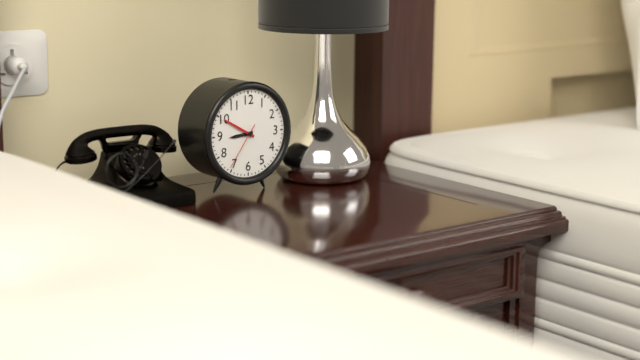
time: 8:50
